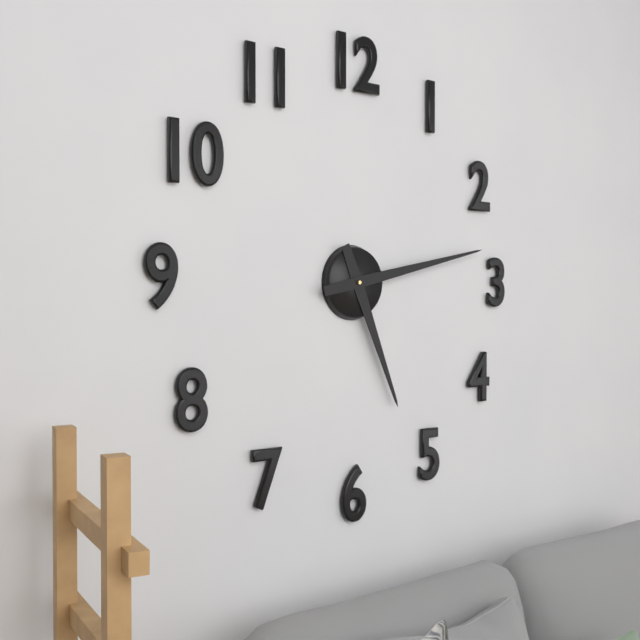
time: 5:13
